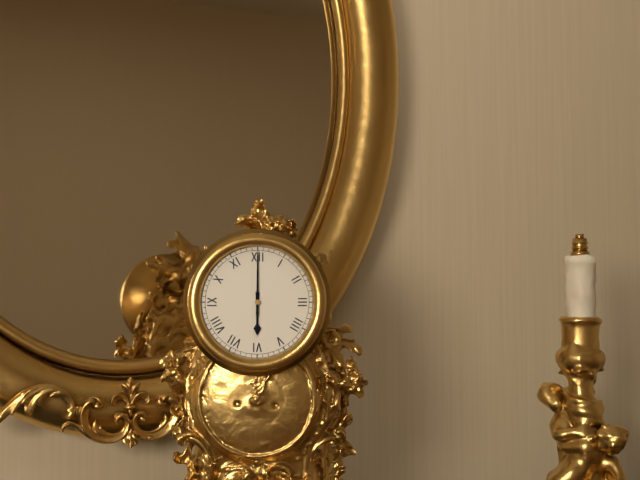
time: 6:00
